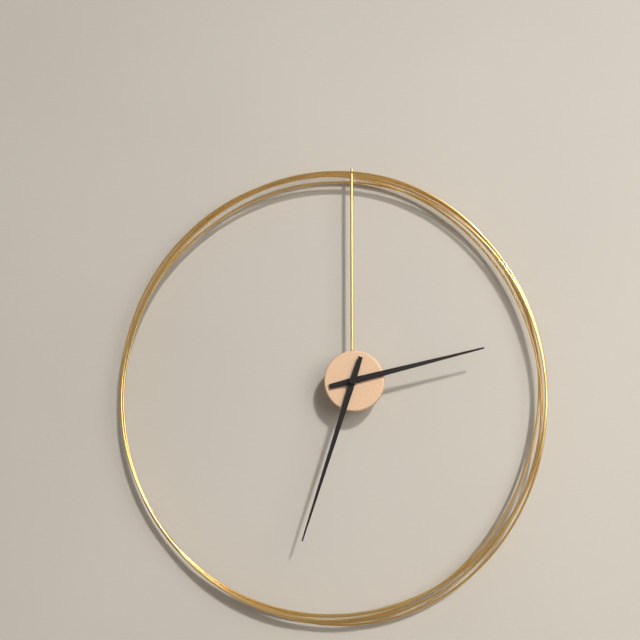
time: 2:33
